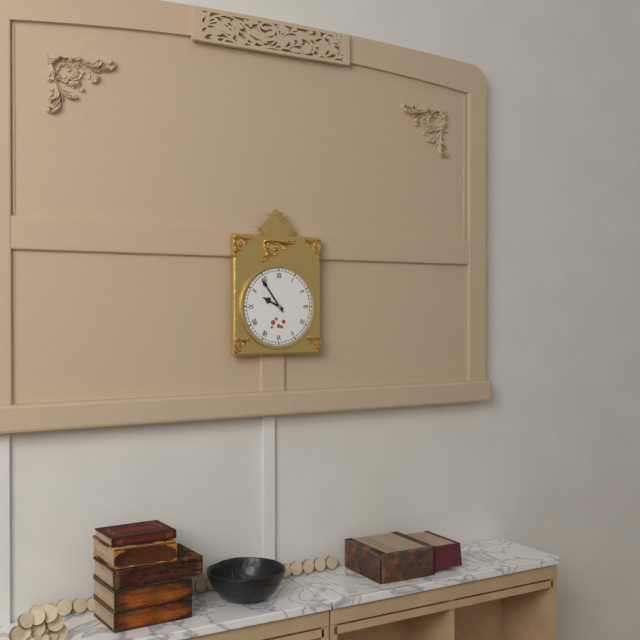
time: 9:54
